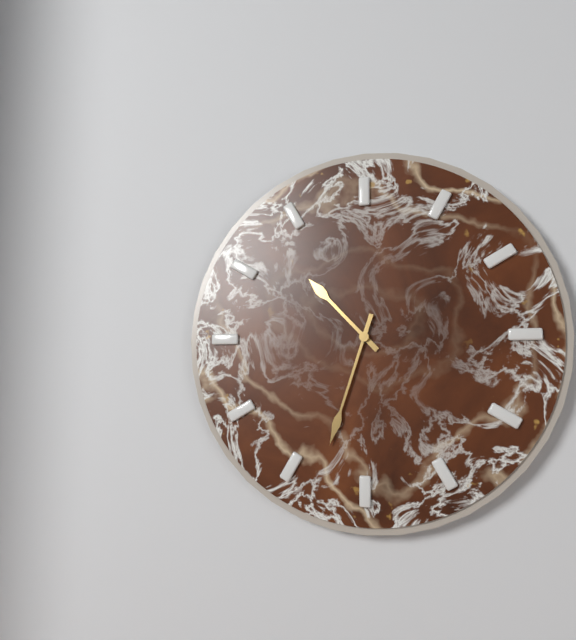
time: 10:33
